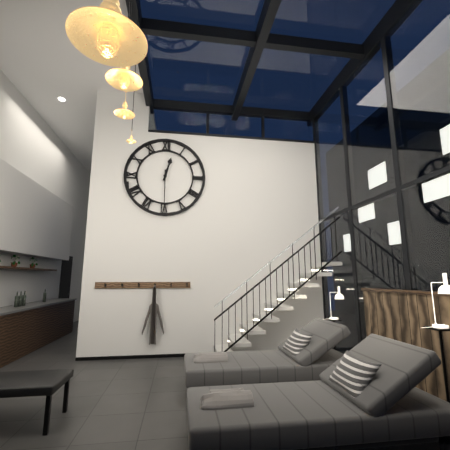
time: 12:30
